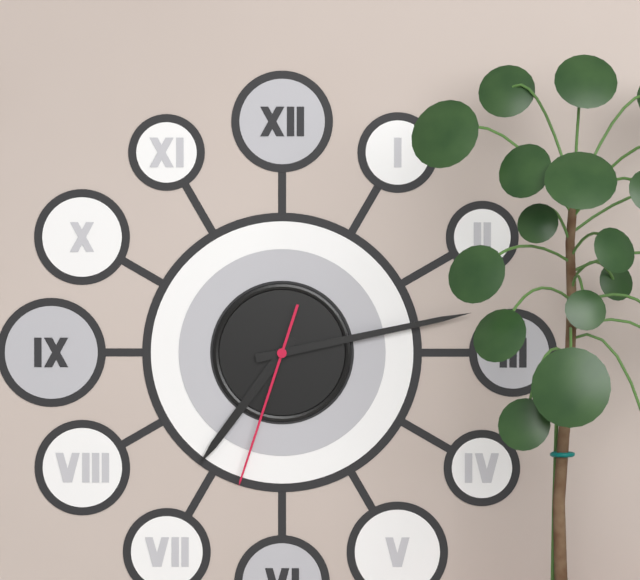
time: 7:13:33
